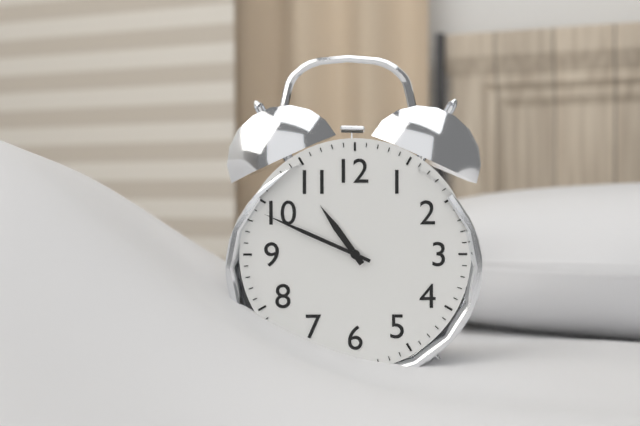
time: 10:49
